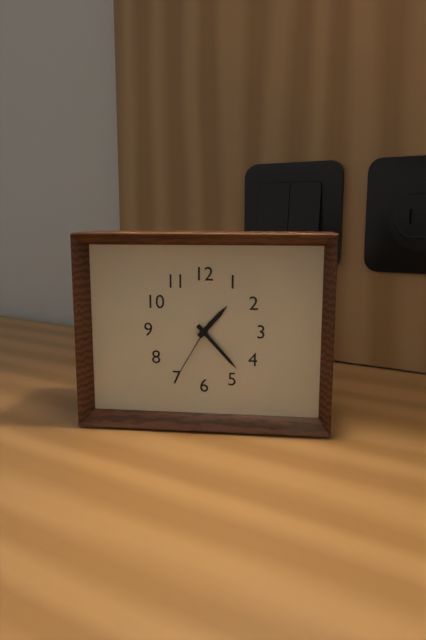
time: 1:23:35
